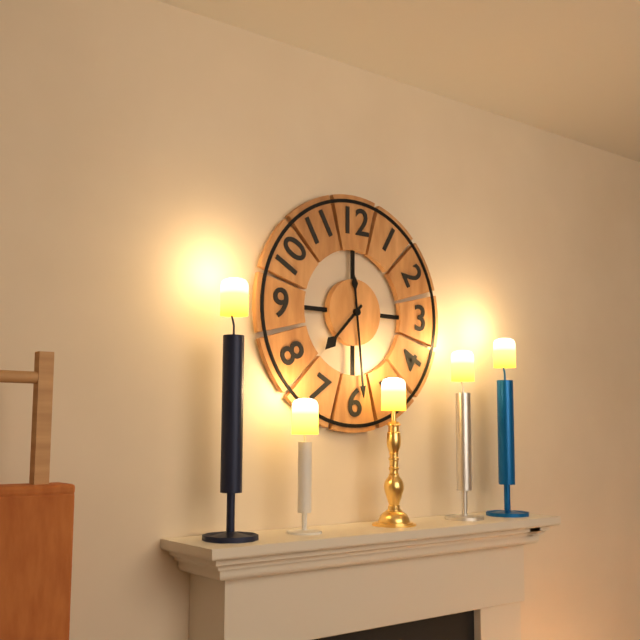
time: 7:29
